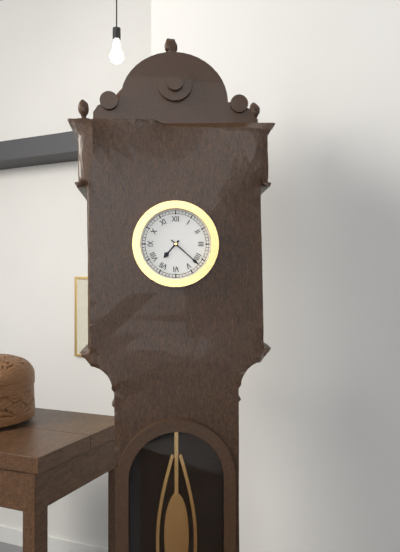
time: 7:22
